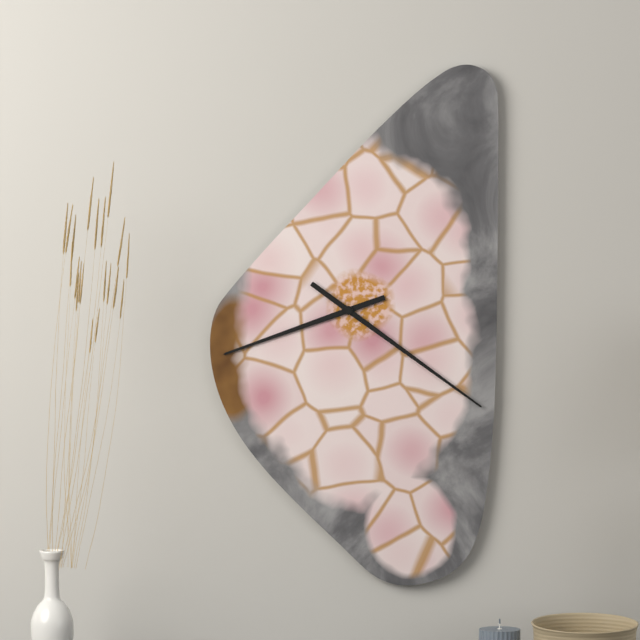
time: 8:21
